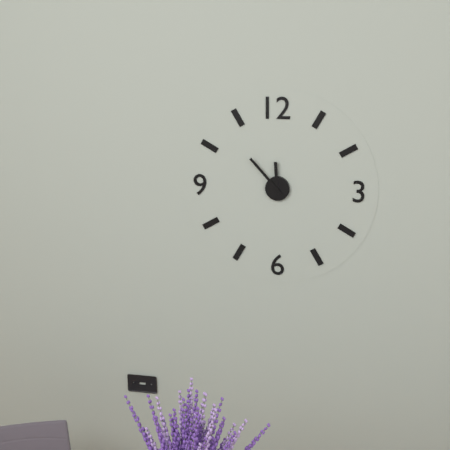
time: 11:53
